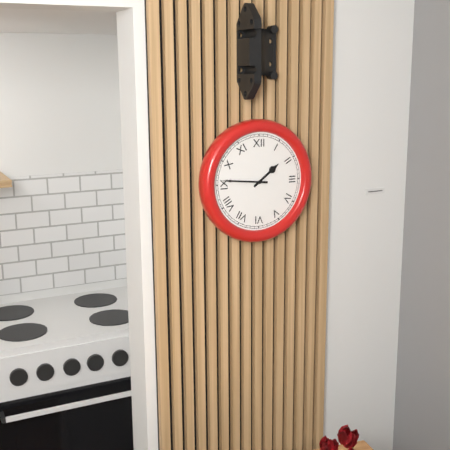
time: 1:46
